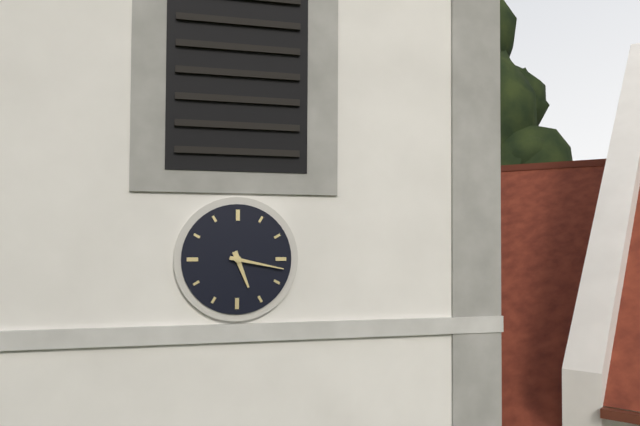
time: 5:17
